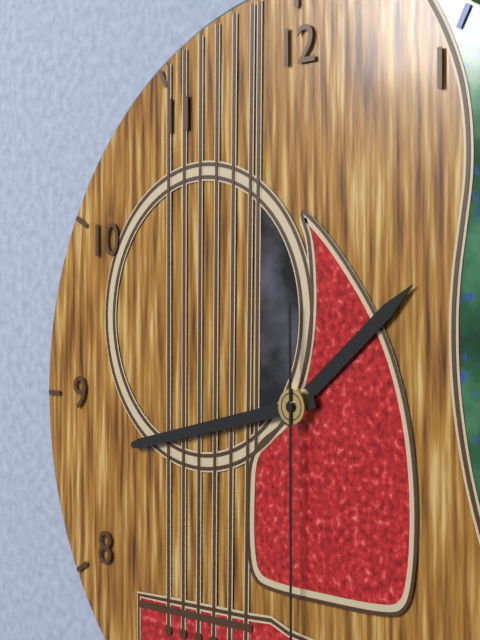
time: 1:43
